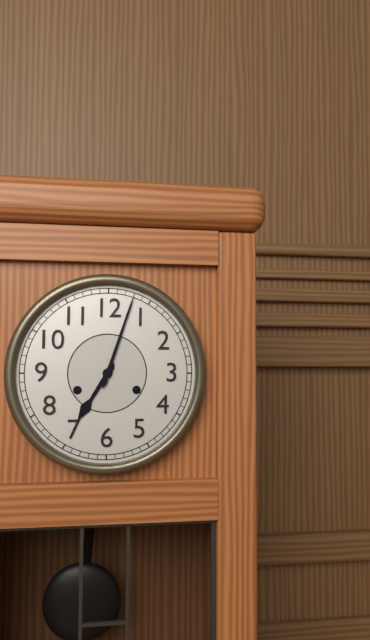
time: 7:03
